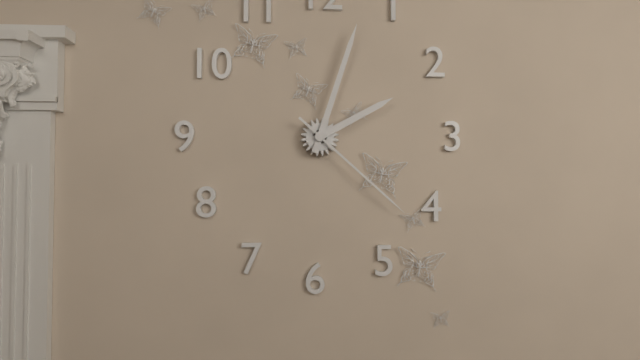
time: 2:03:22
